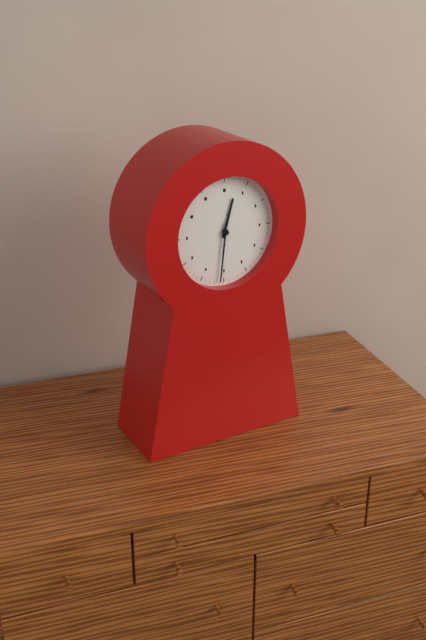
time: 12:31
